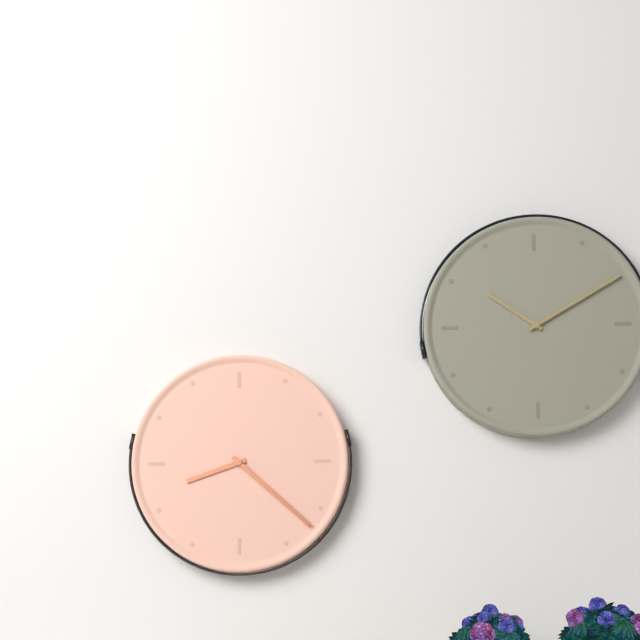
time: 8:22
